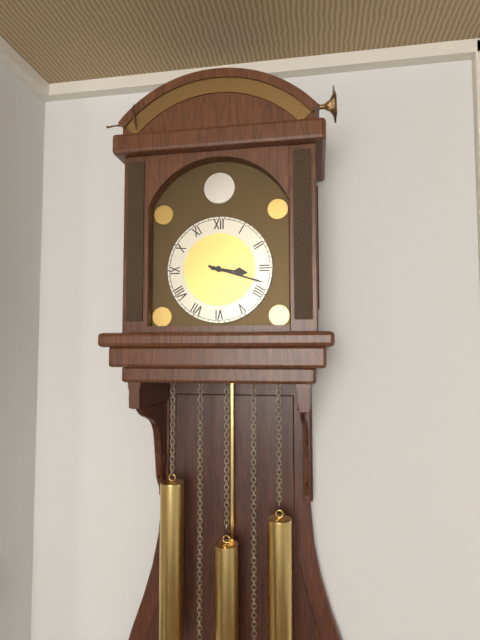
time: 3:18
